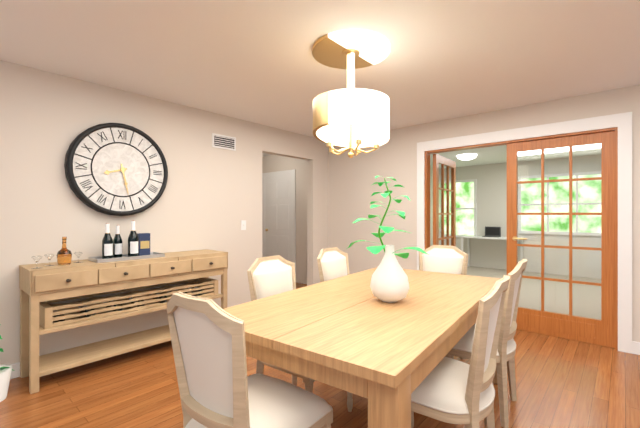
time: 8:28
